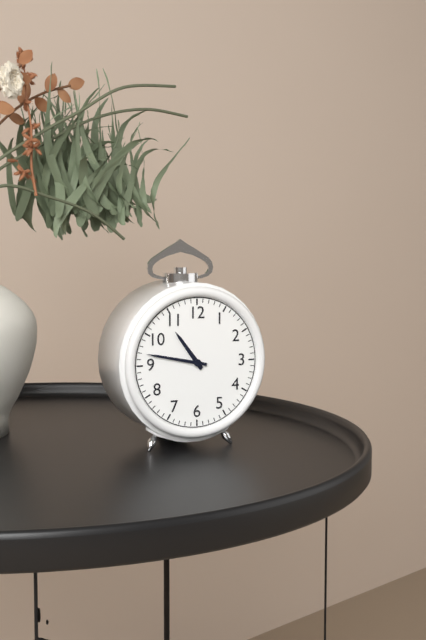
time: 10:47
